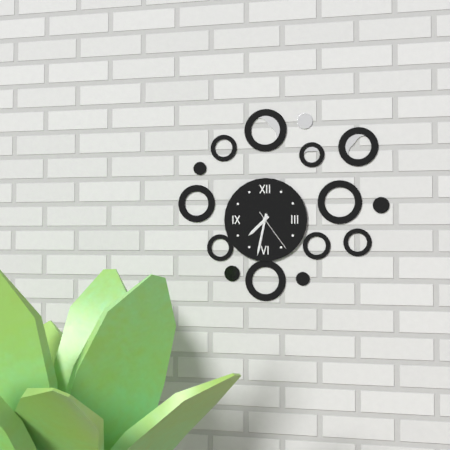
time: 7:32
